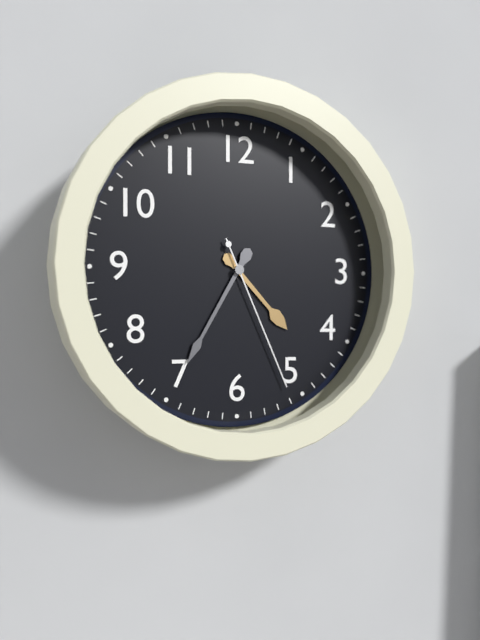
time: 4:35:26
